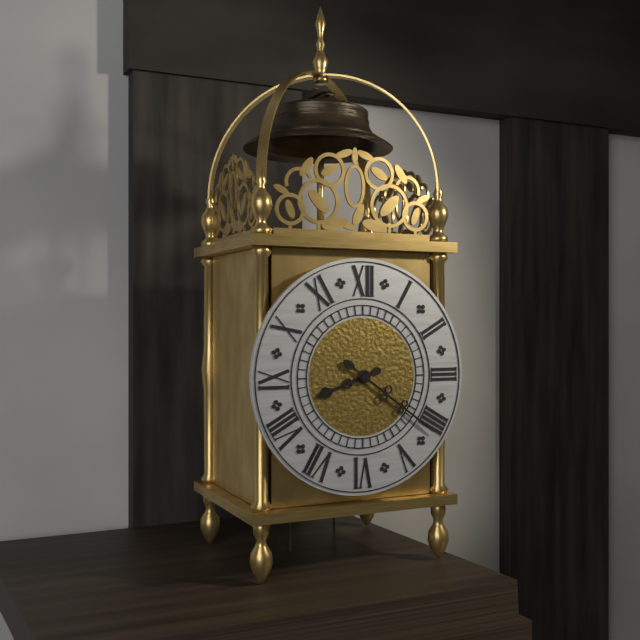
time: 8:21
